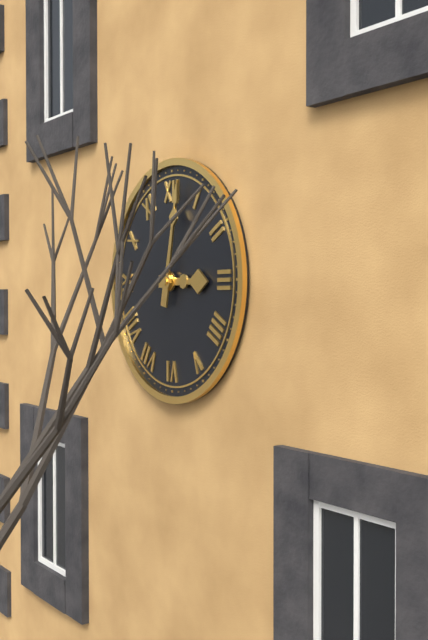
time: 3:02
